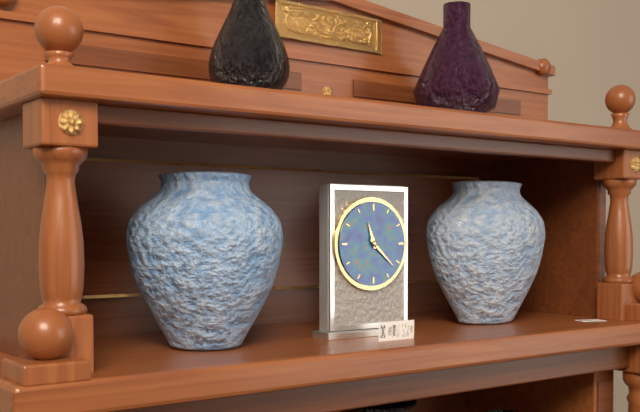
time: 11:22
